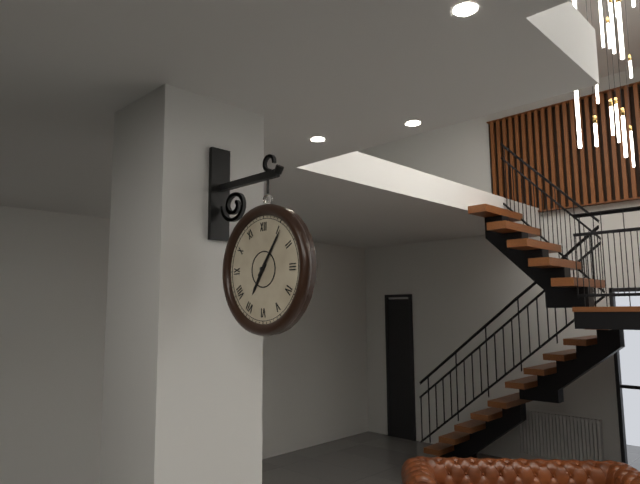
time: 7:06
